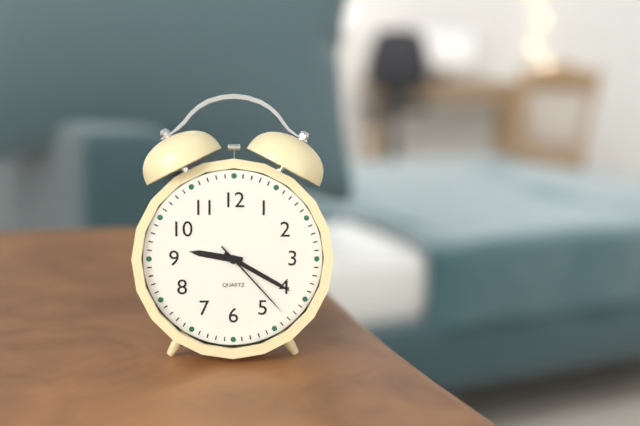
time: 9:20:23
